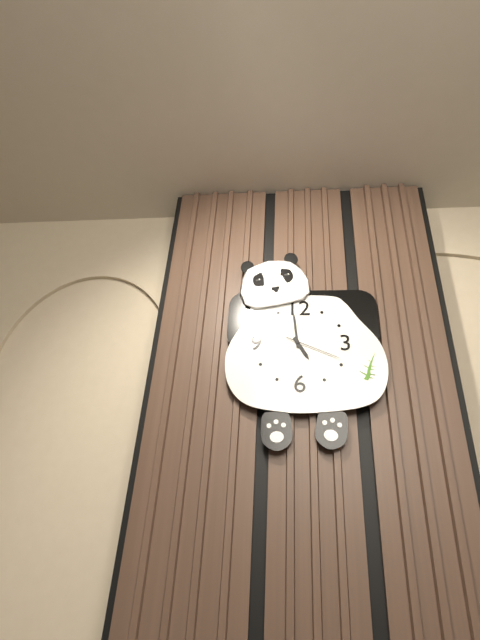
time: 4:59:19
